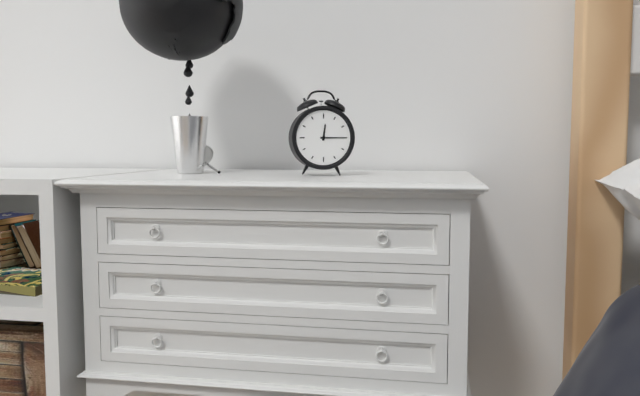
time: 12:15
